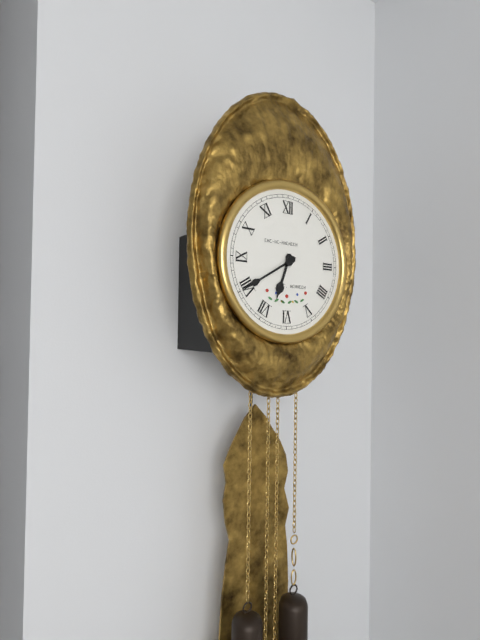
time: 6:40
